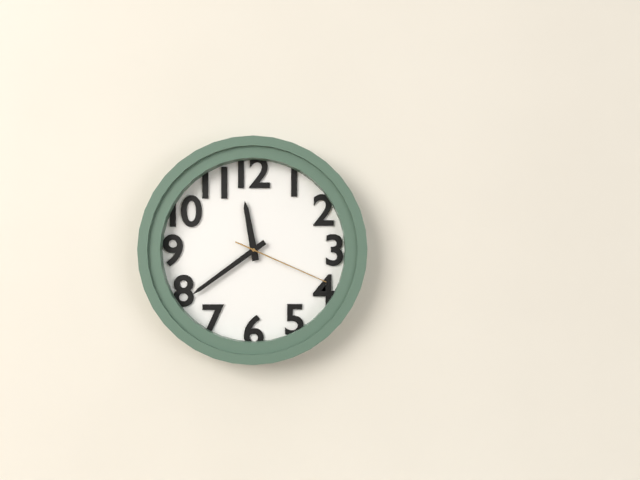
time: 11:39:19
